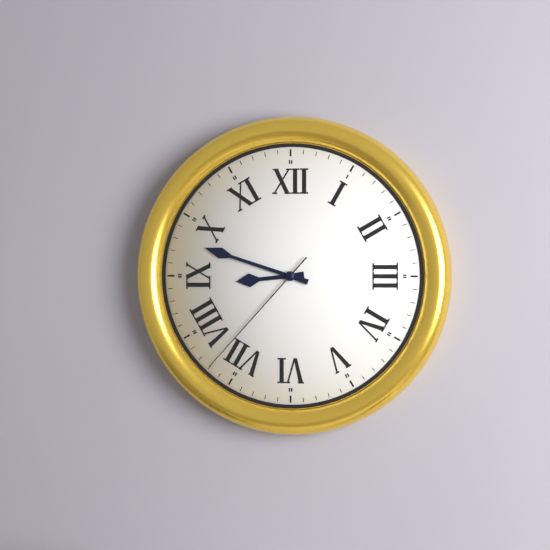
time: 8:48:37
